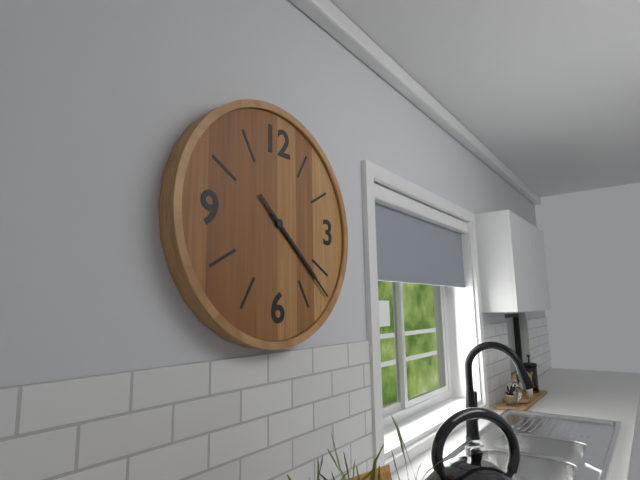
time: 4:22
